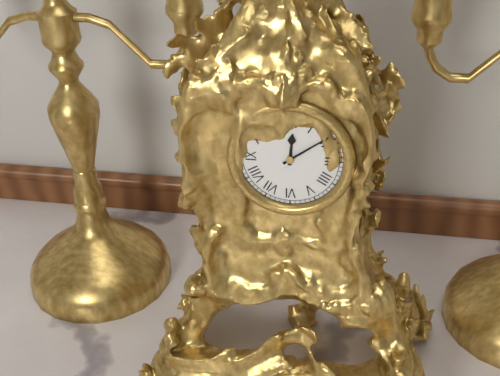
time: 12:09
